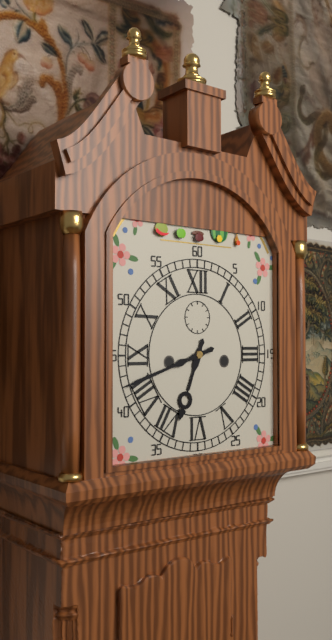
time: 6:42
